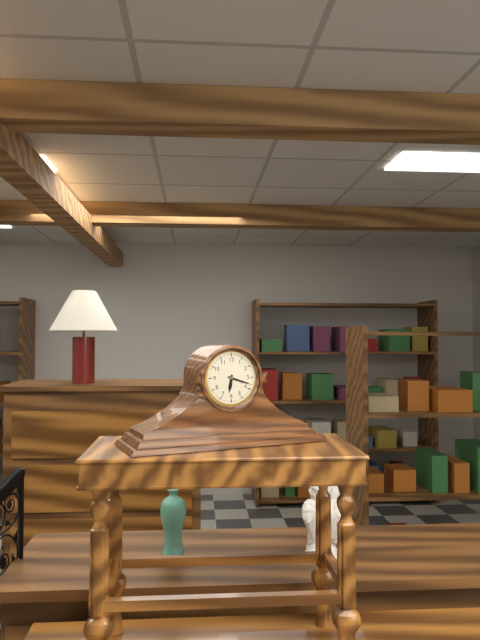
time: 6:18
